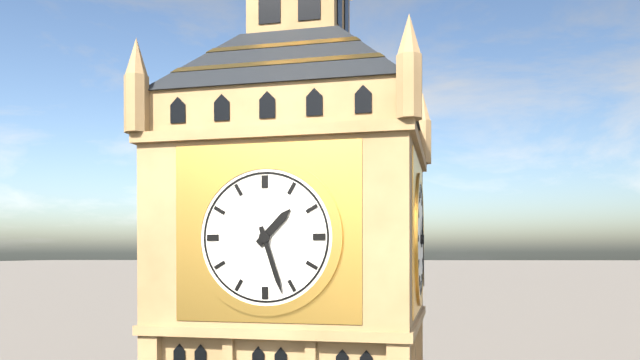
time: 1:27
